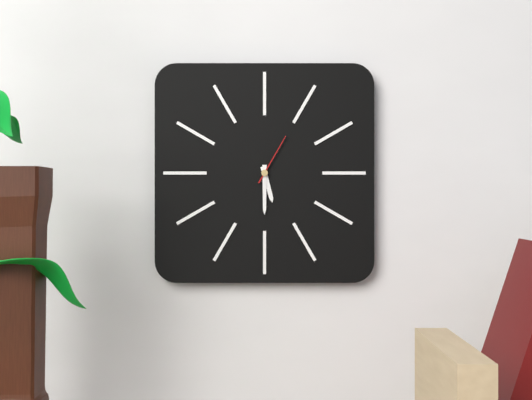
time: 5:30:05
